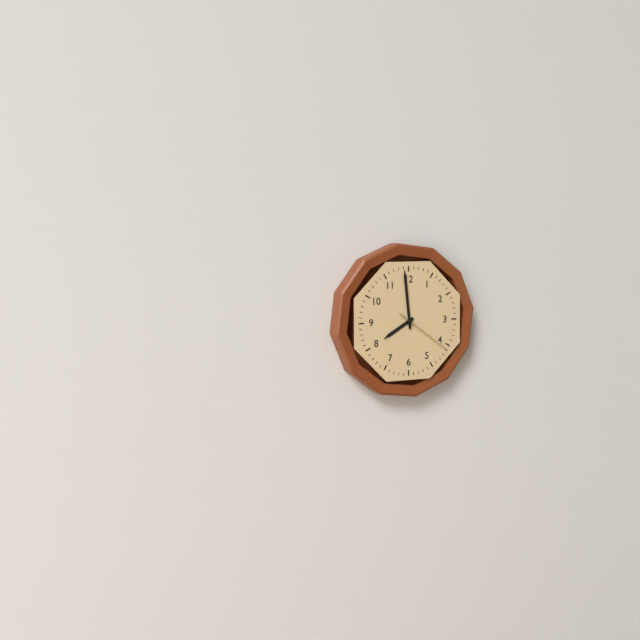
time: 7:59:21
